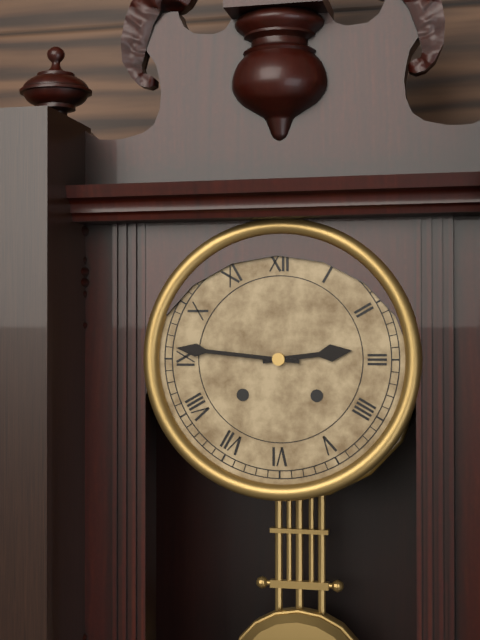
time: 2:46
